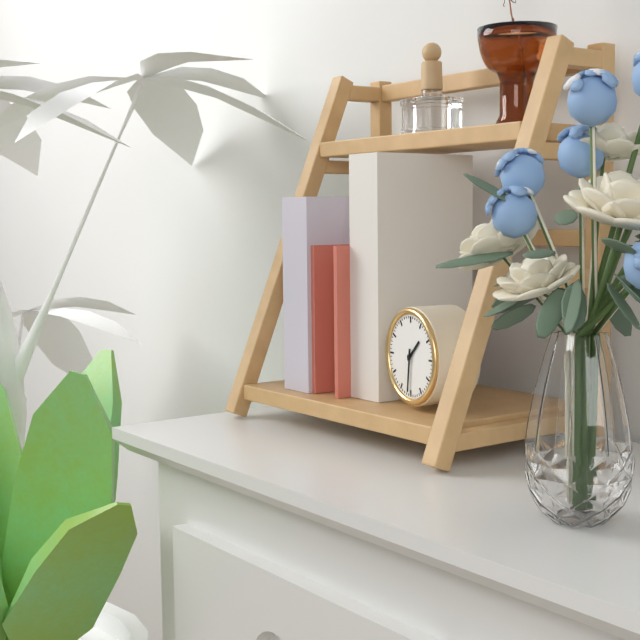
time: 1:31
